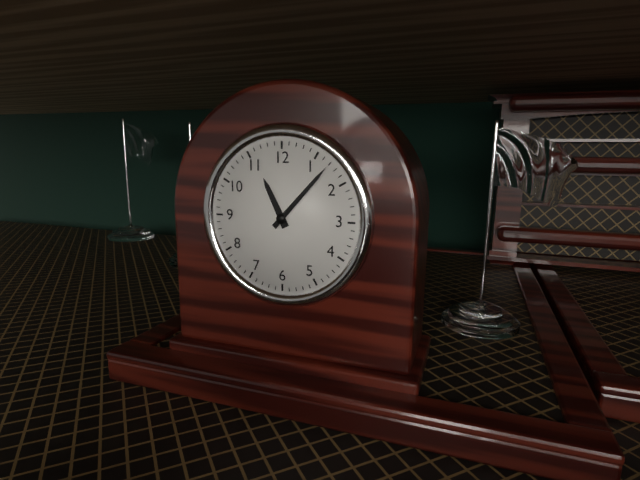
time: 11:07
